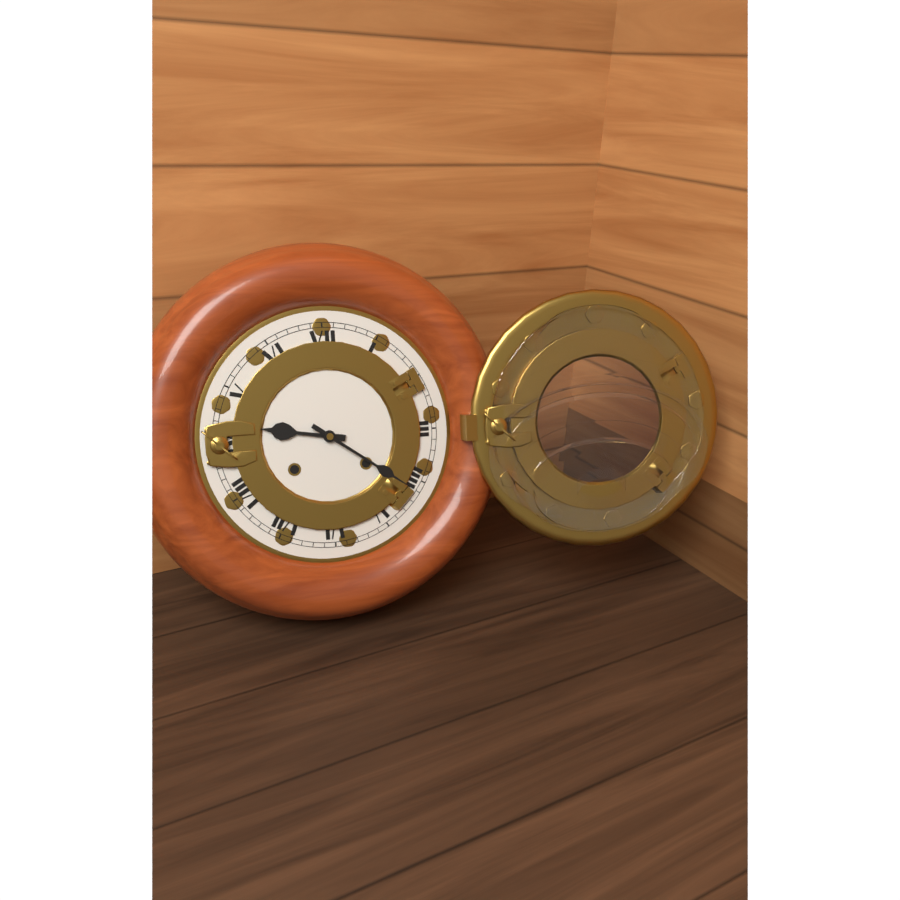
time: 9:21
